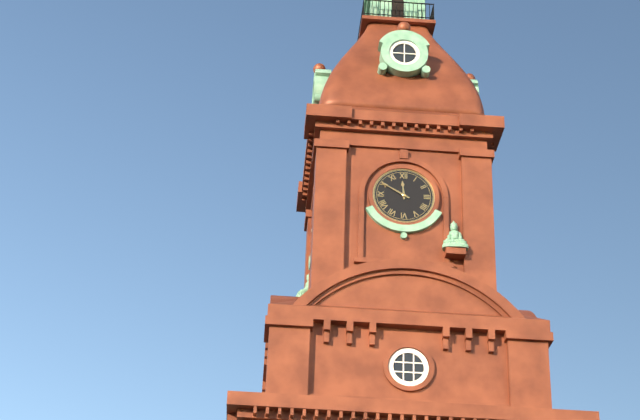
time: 11:50
